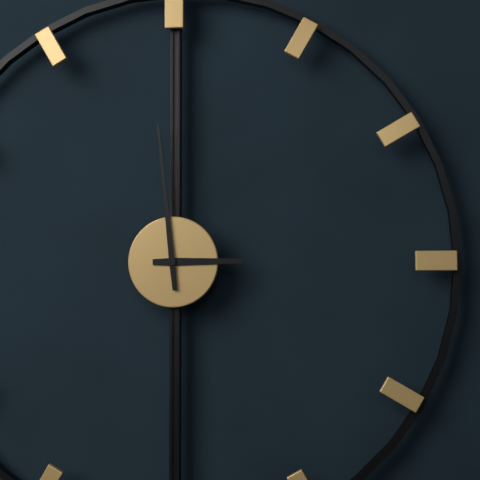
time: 2:59
